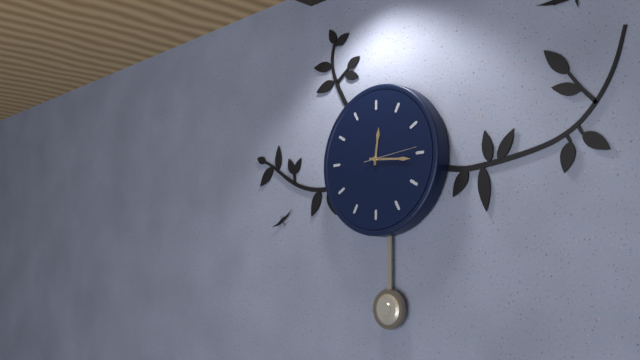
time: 12:16:14
